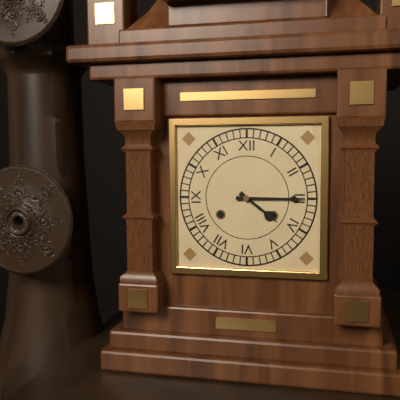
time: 4:15
